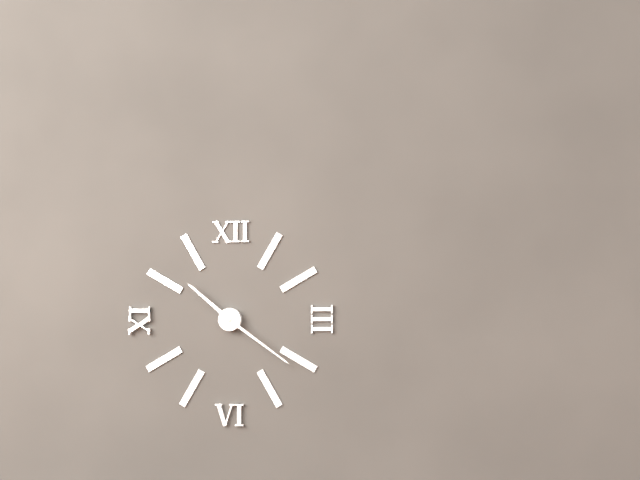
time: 10:21
